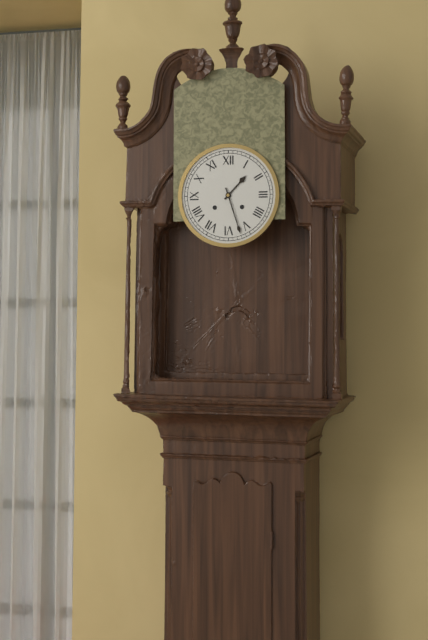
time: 1:27
